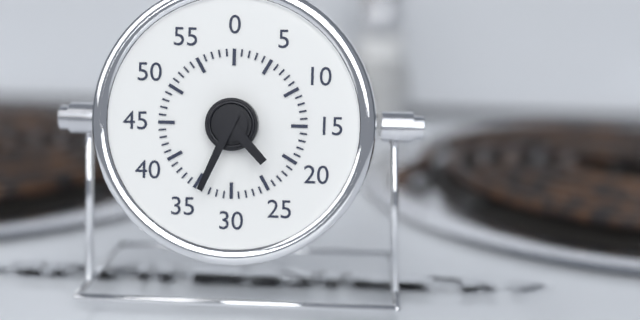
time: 4:34
